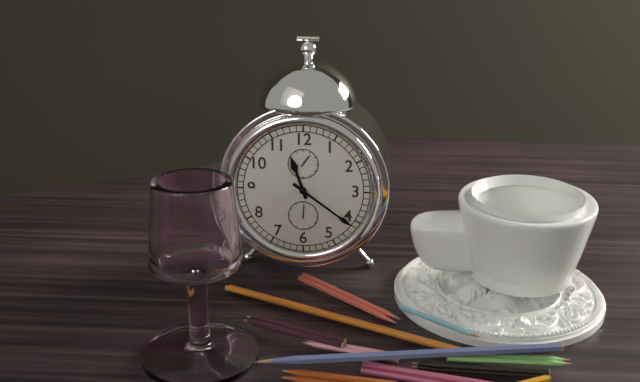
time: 11:21
